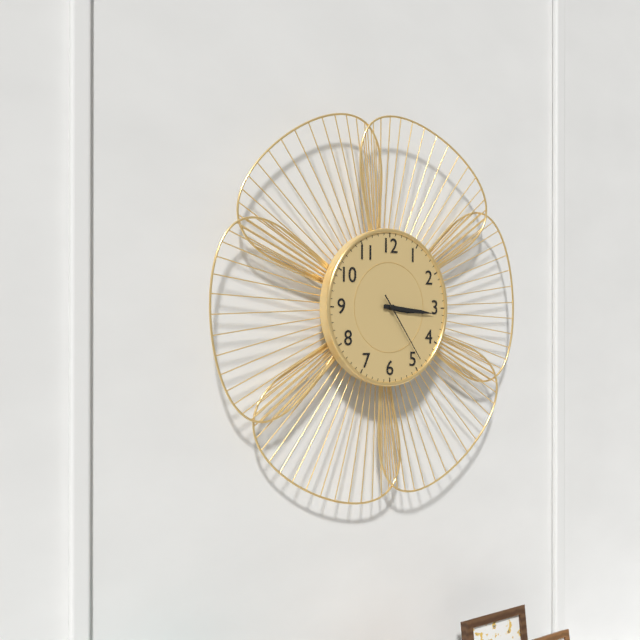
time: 3:16:24
